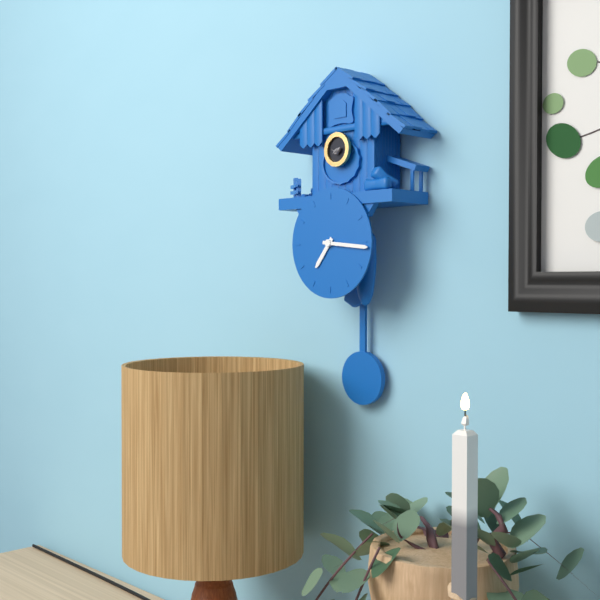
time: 7:16
